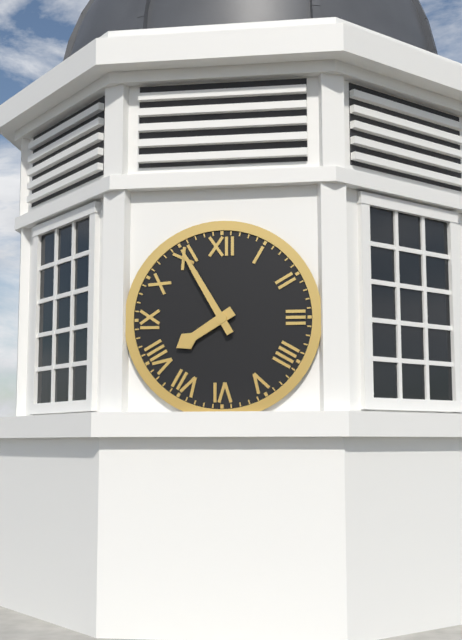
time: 7:55
